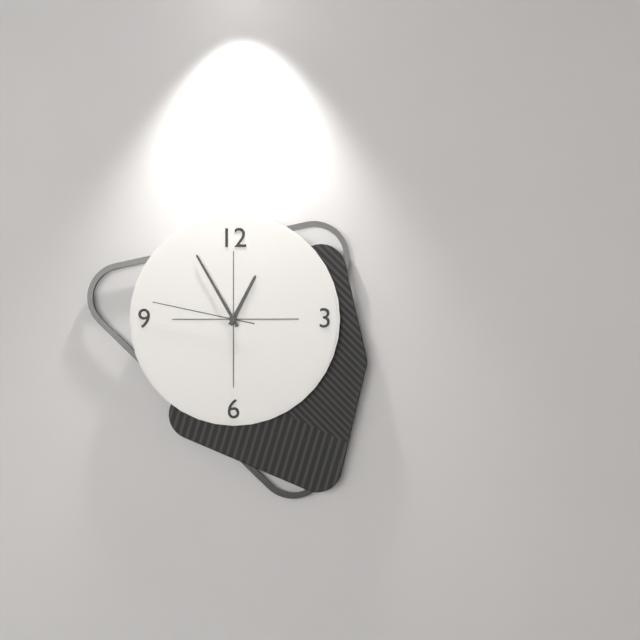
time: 12:55:47
